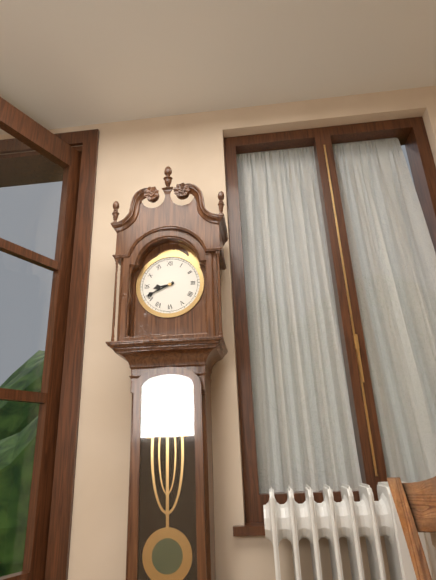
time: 8:41
